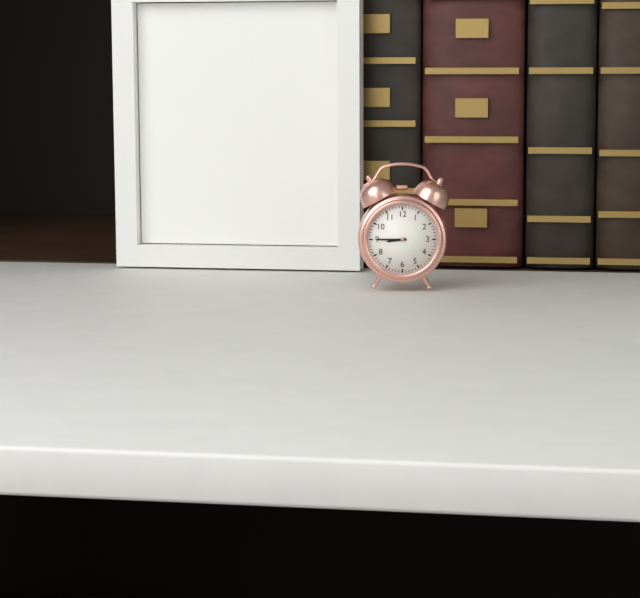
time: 8:45
